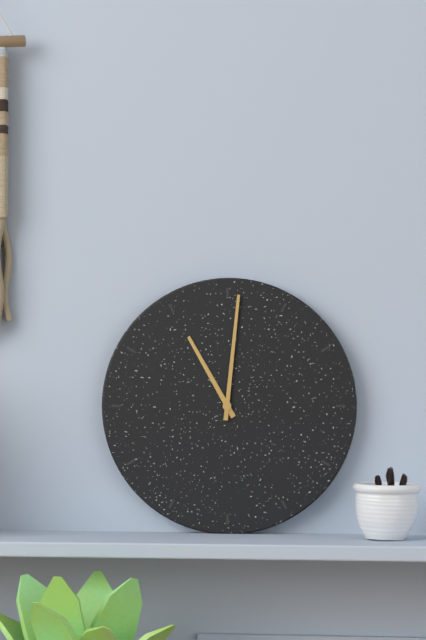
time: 11:01
